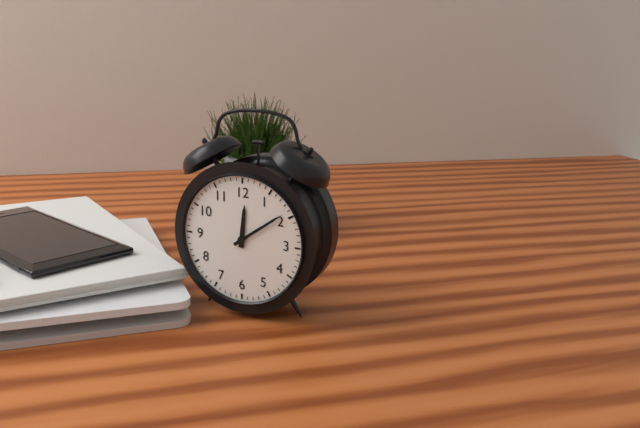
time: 12:09
